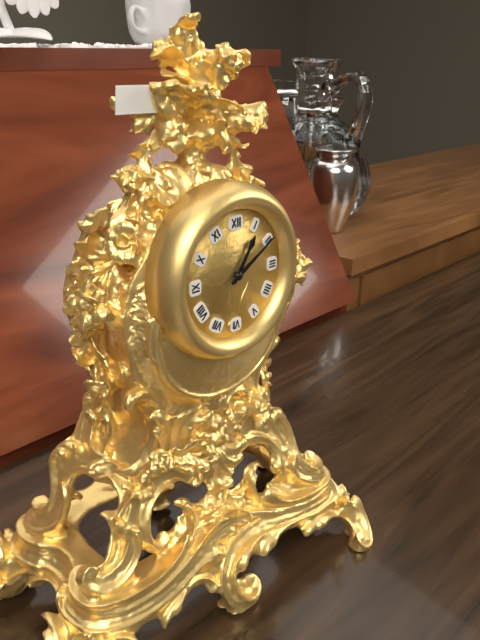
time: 1:10
